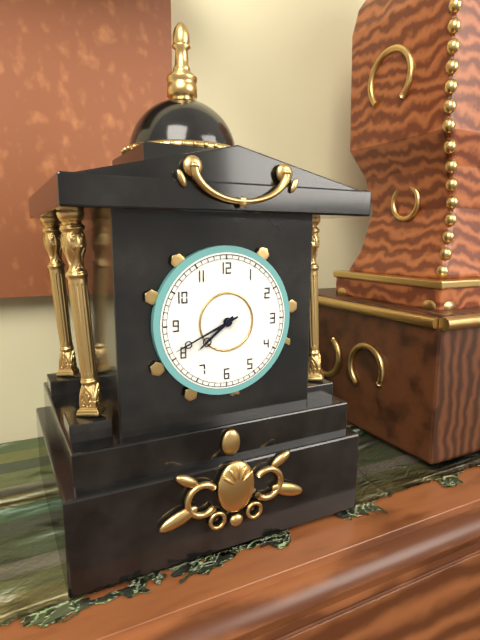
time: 7:41
